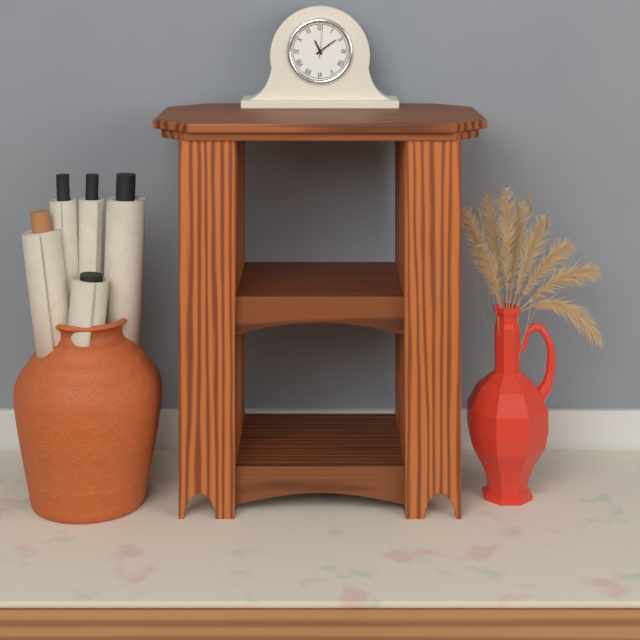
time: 11:09
